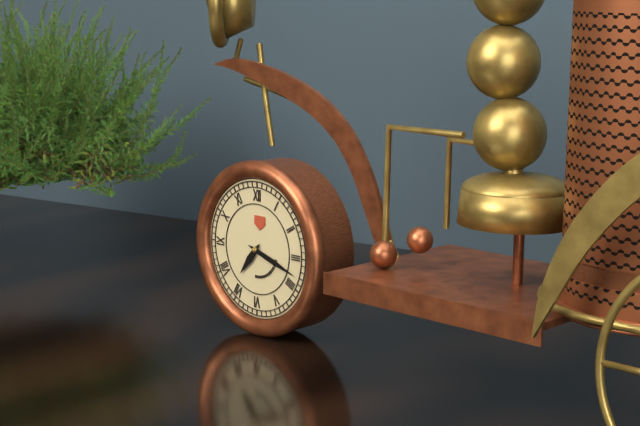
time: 7:18
